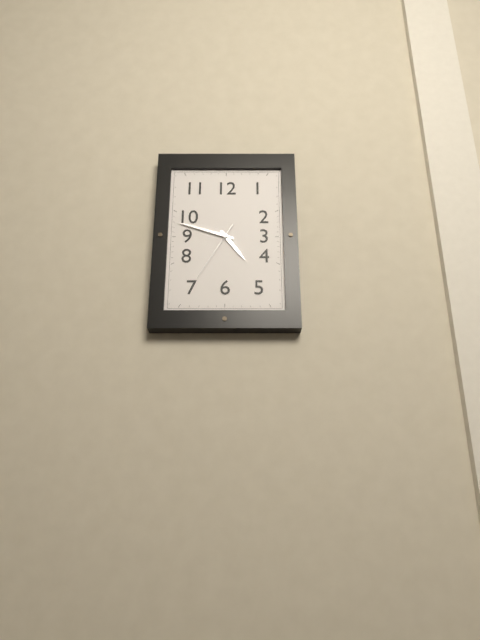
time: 4:48:35
